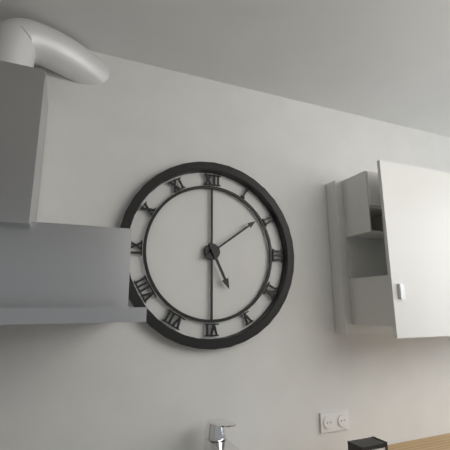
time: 5:09
